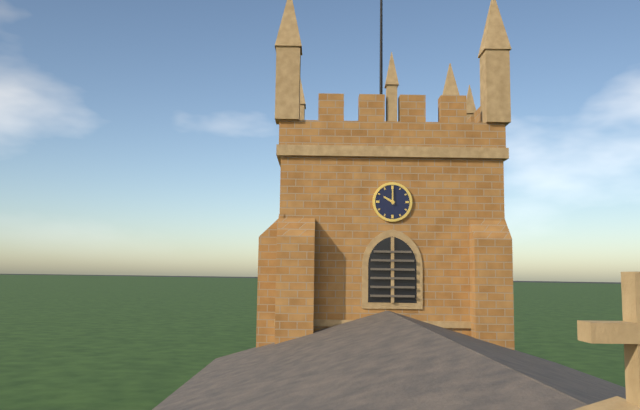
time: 10:00
